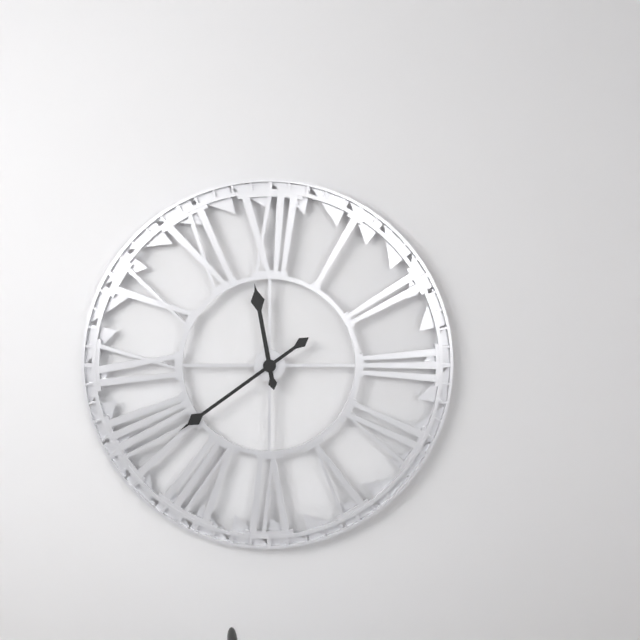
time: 11:39
